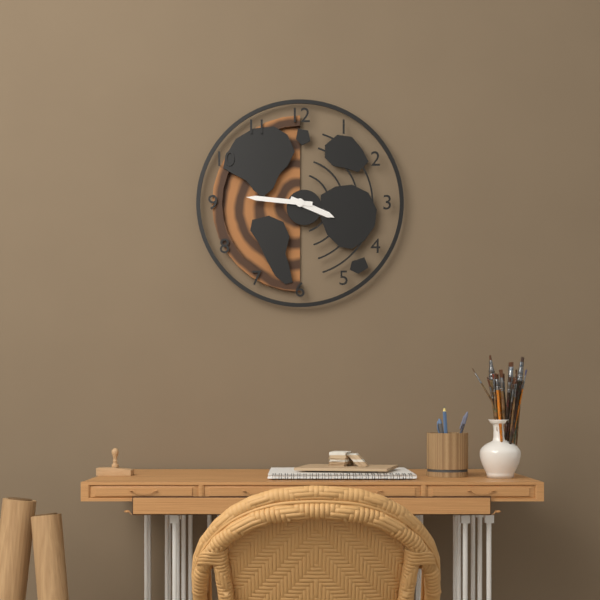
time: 3:46
